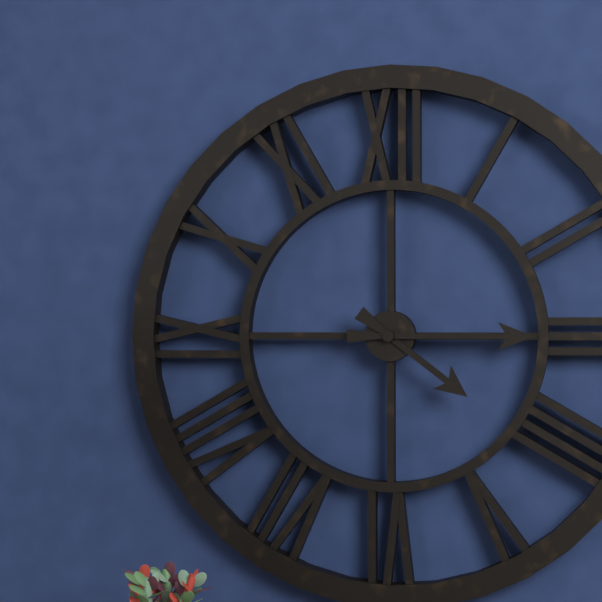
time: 4:15
